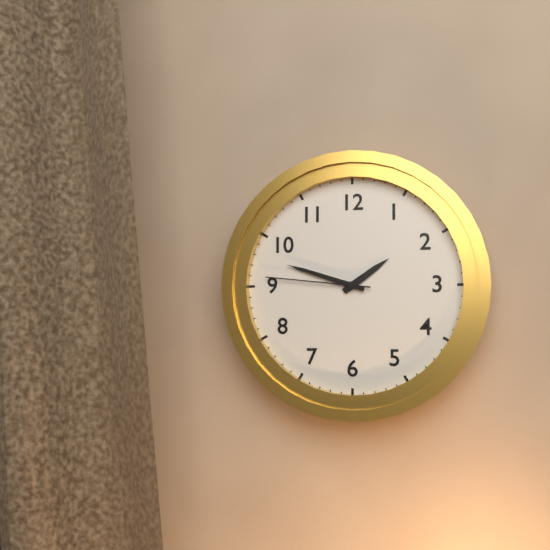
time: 1:48:46
